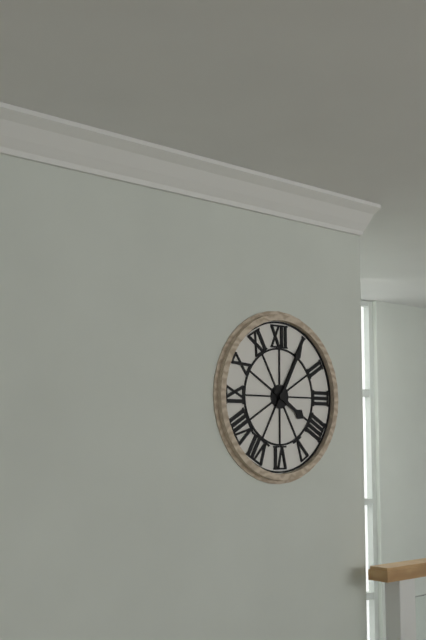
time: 4:05
